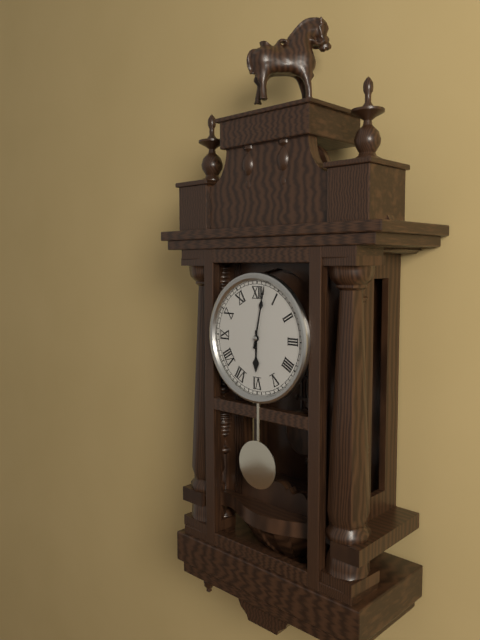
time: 6:02
